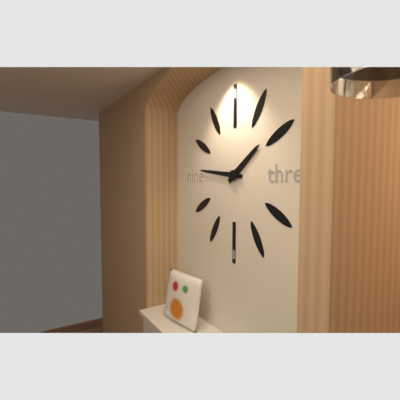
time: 1:46
